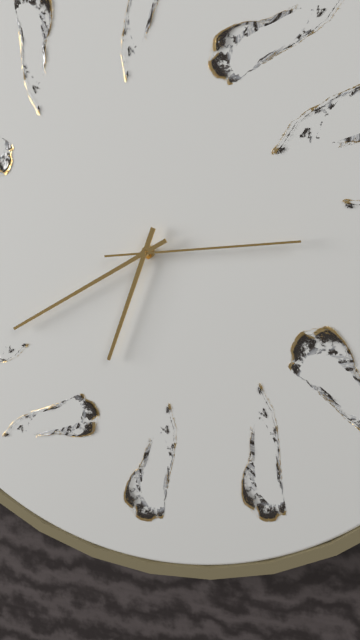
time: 6:40:14
